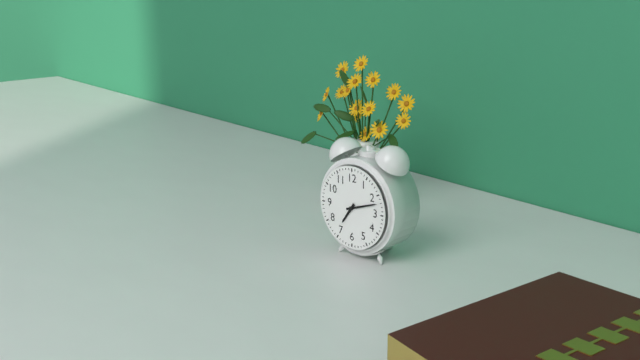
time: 7:12
